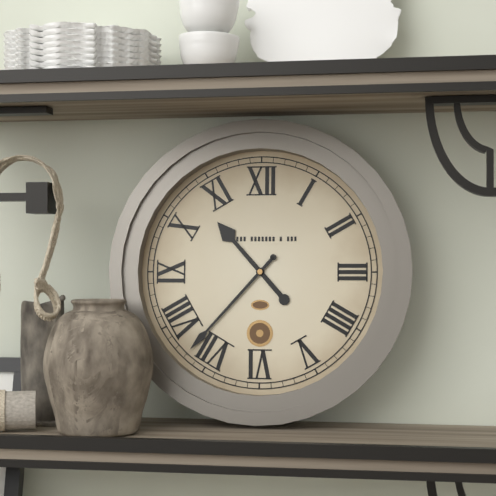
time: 10:37
